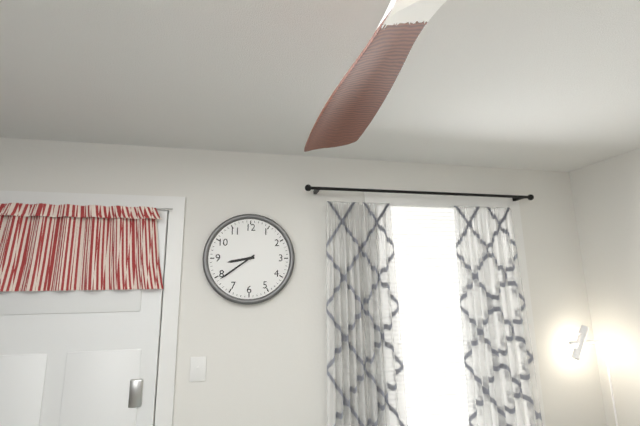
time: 8:39
